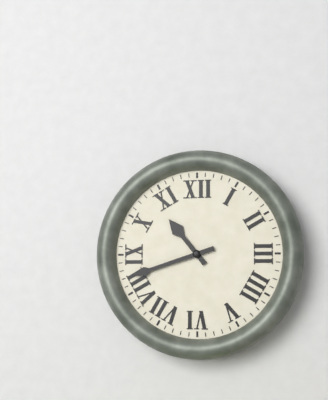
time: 10:42
